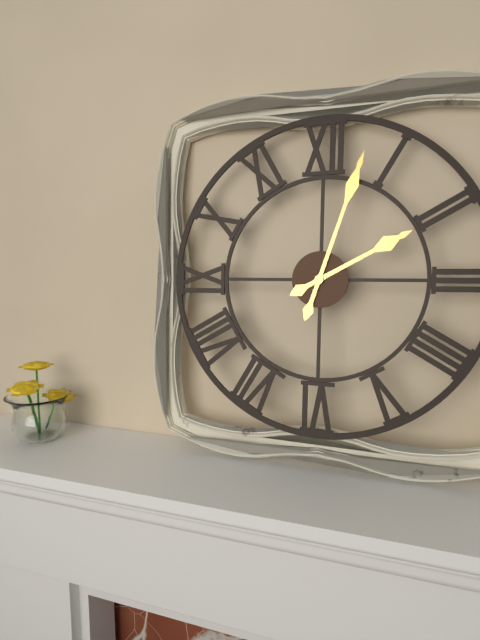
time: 2:03
